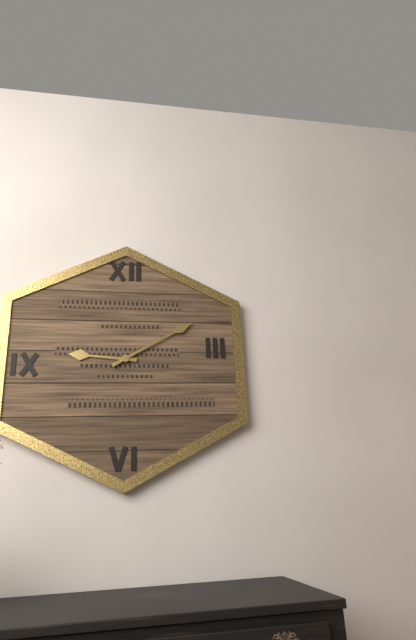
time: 9:10
